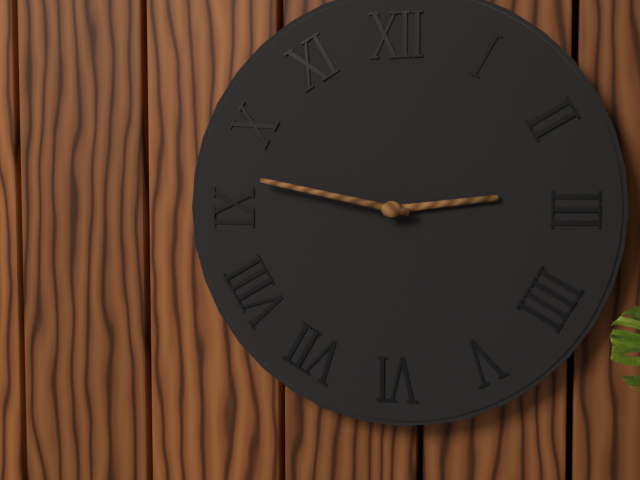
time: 2:47
